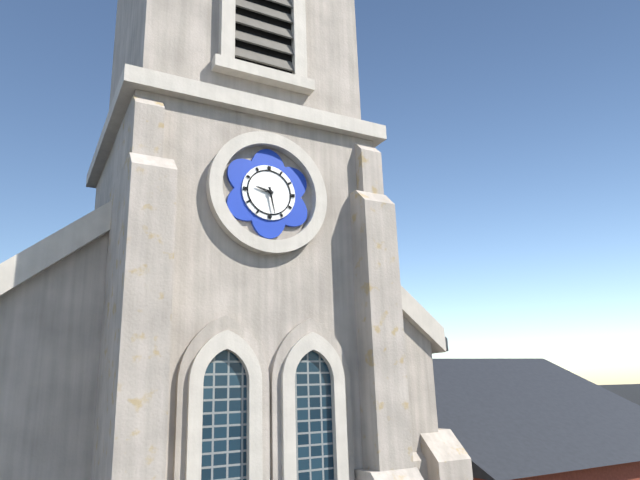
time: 9:28
